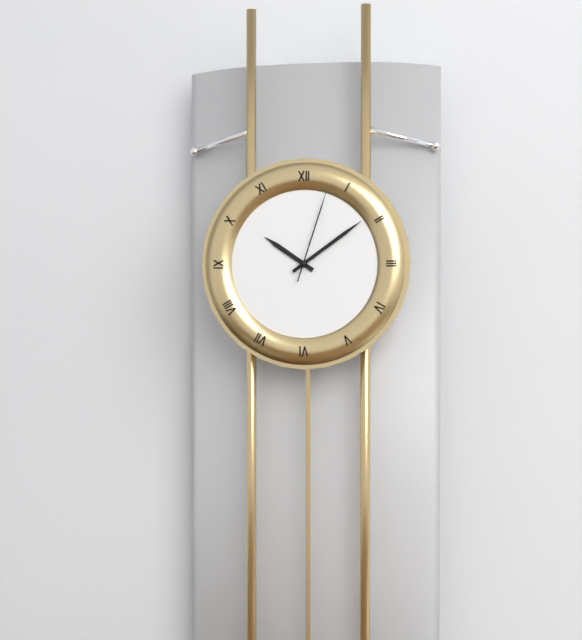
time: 10:09:03
